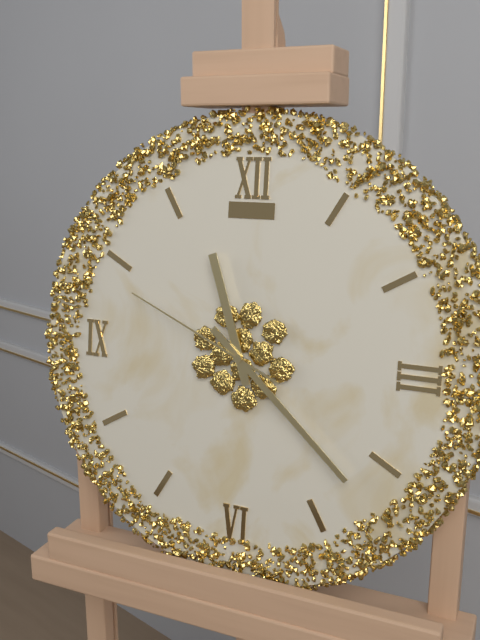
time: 11:22:49
